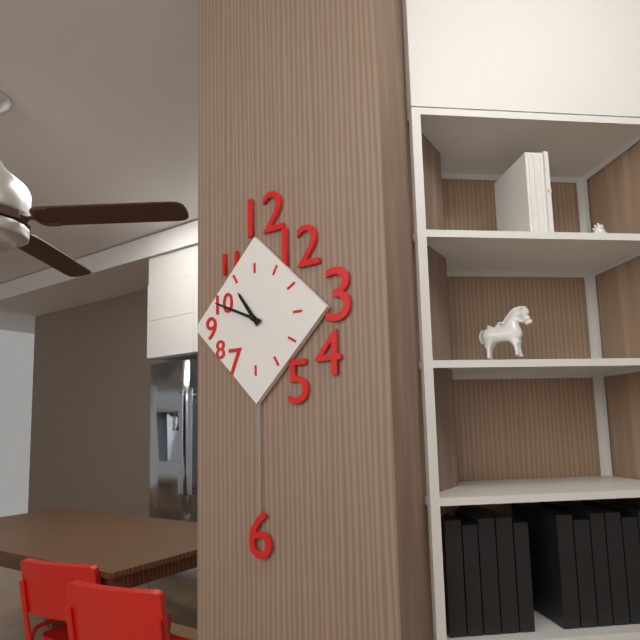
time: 10:49
